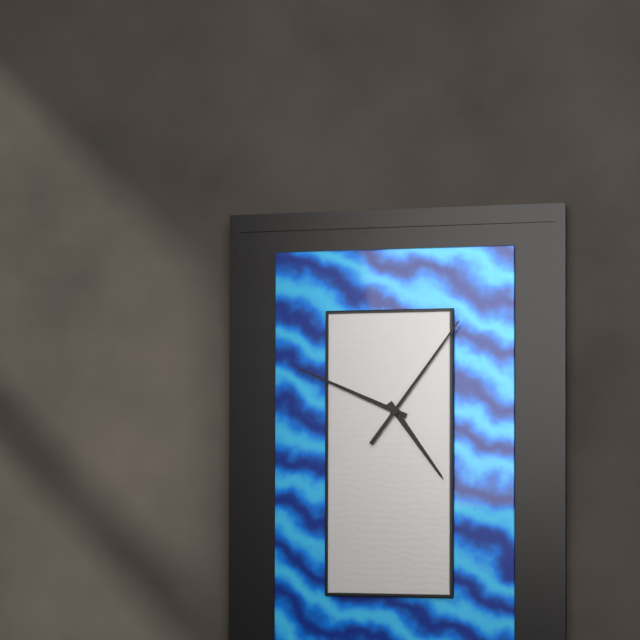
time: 4:49:06
